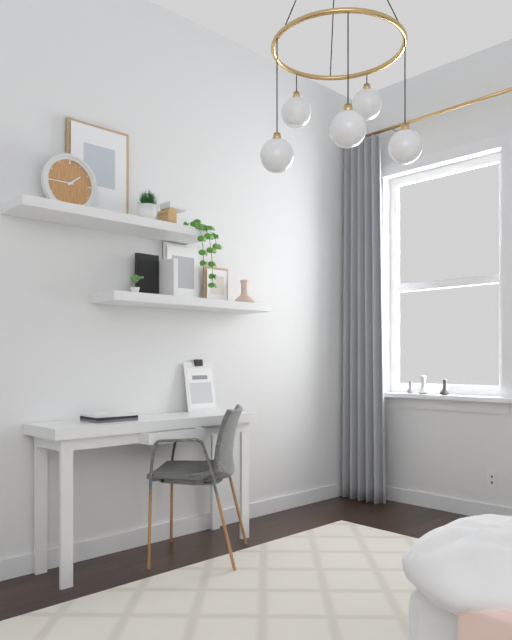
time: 1:45
